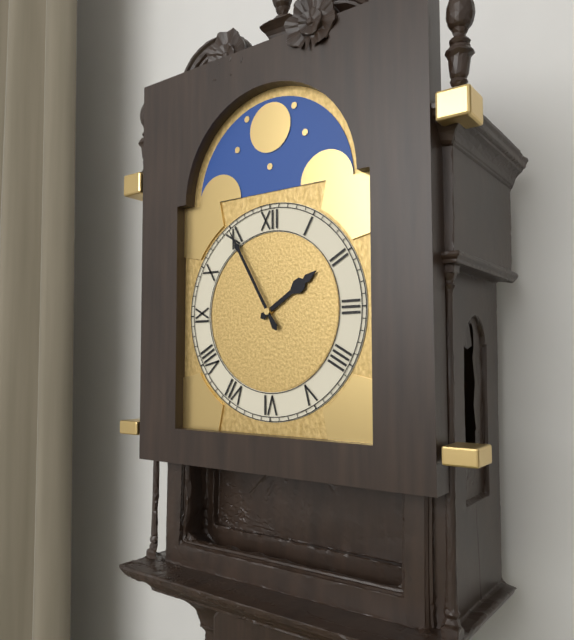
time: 1:55
